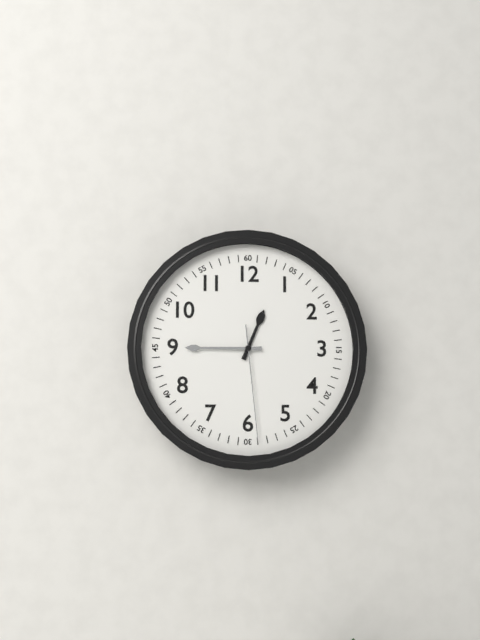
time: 12:45:29
